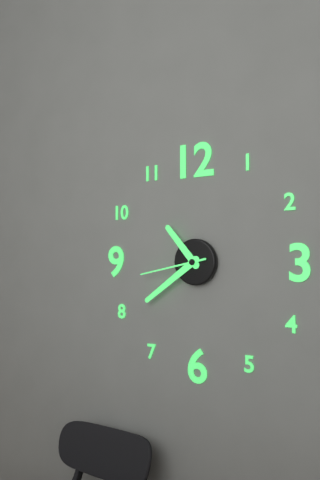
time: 10:39:43
